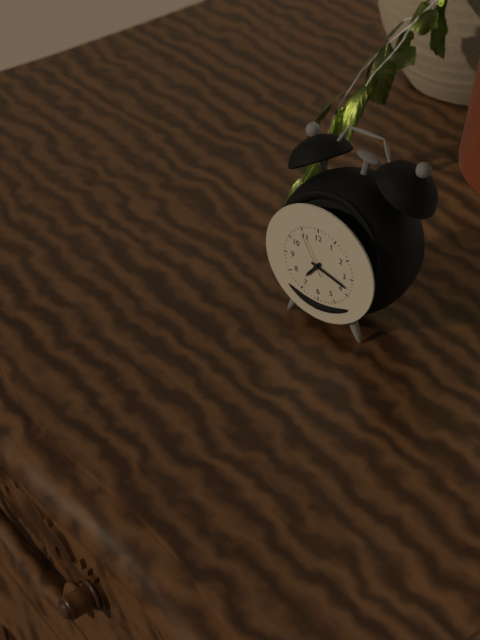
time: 7:18
